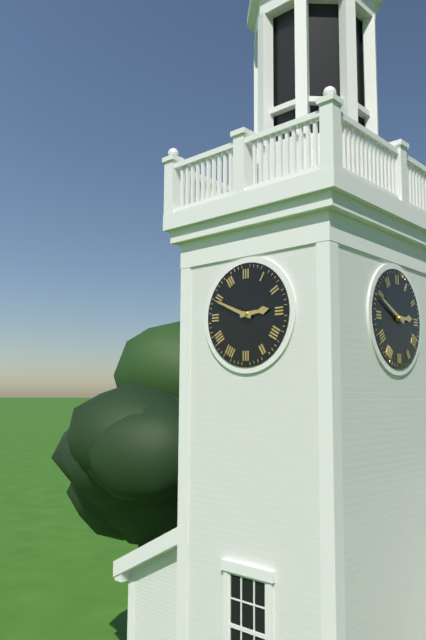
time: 2:49
